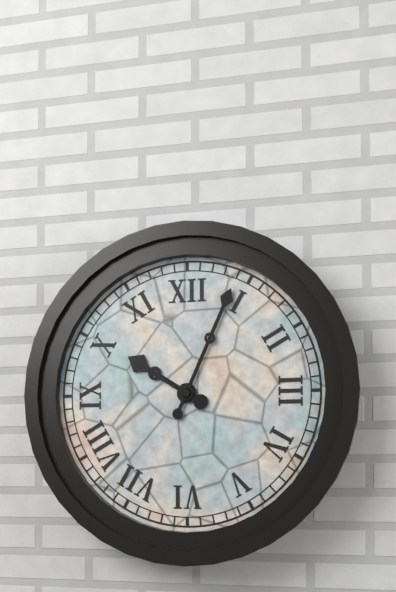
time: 10:04
